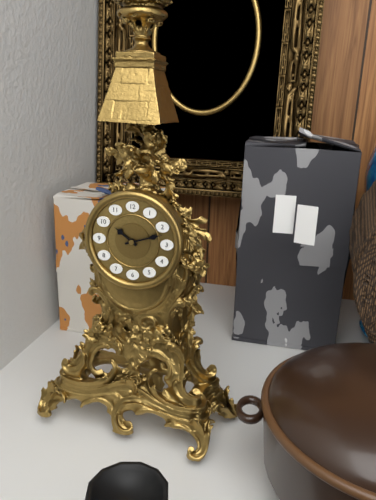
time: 10:12
